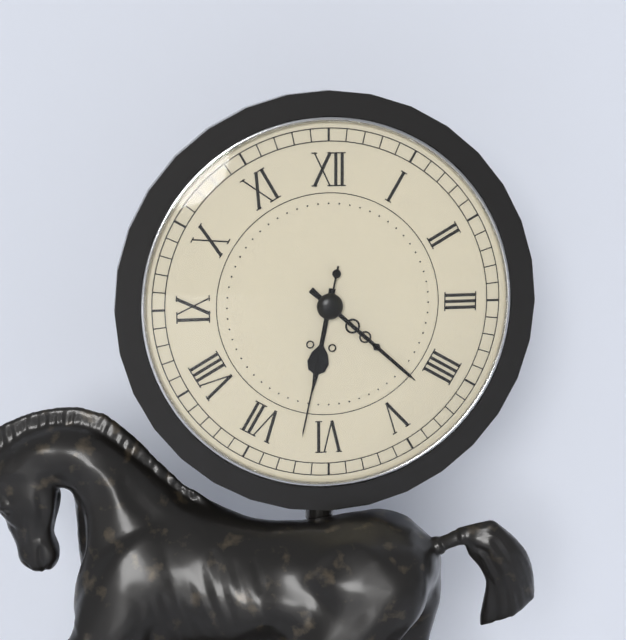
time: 6:22:32
